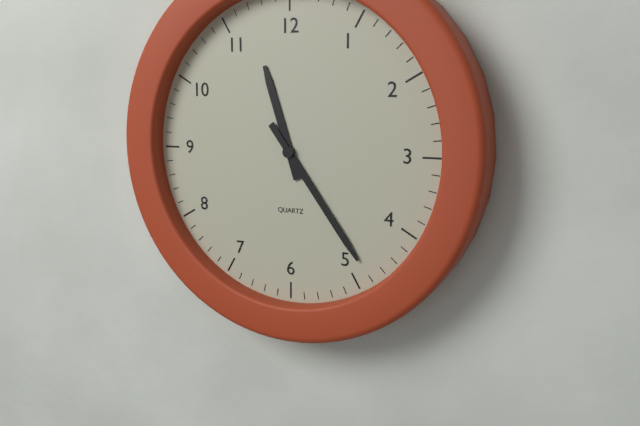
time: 11:24
